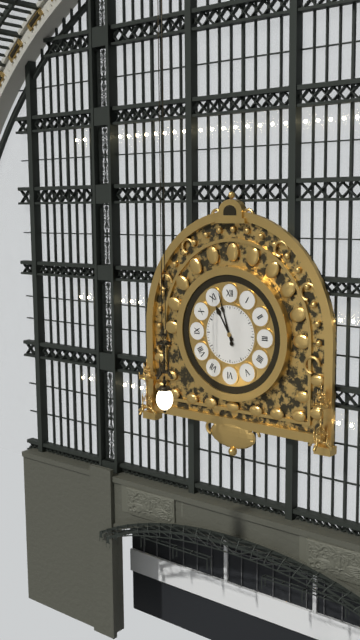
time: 10:57
